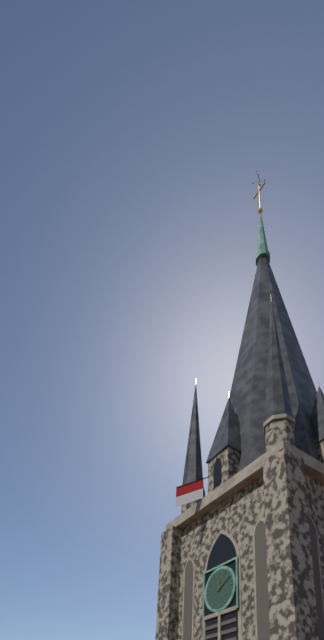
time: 12:10
